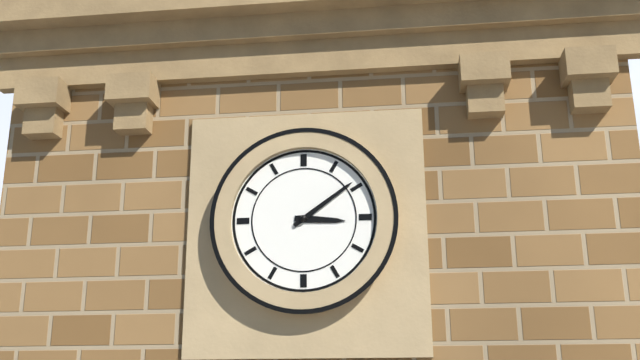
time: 3:09
